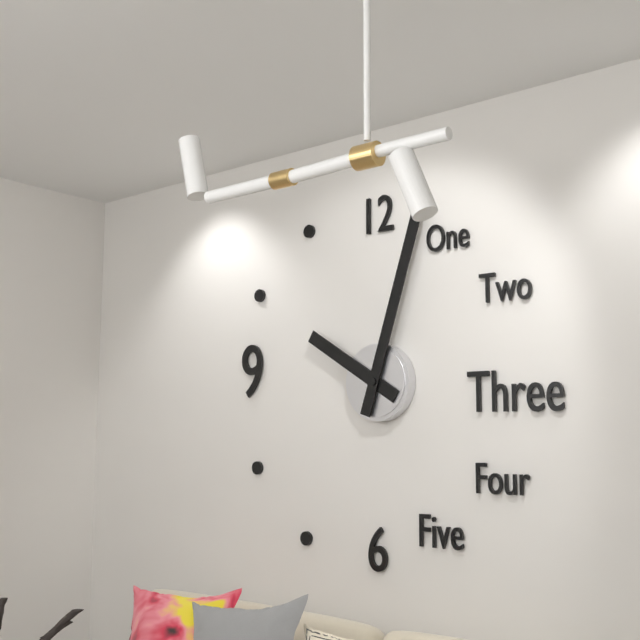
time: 10:03
